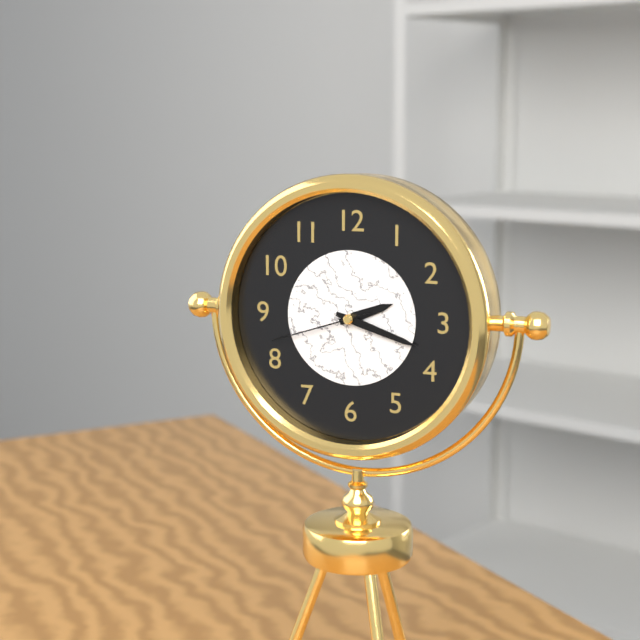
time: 2:18:42
